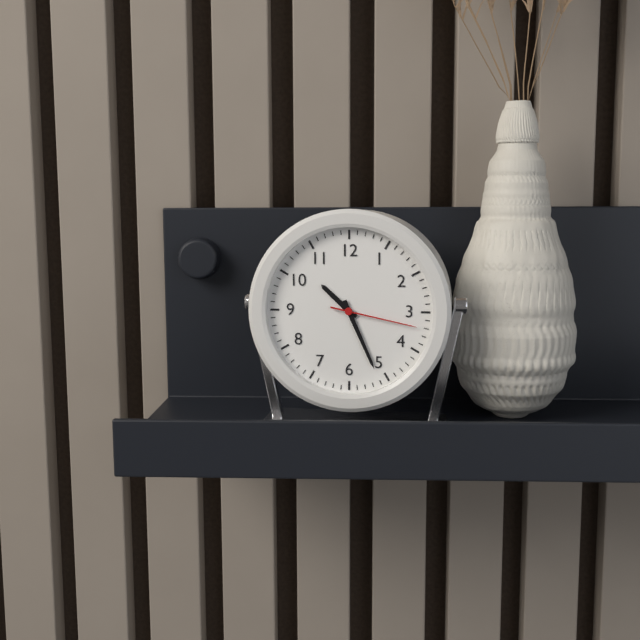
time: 10:26:17
